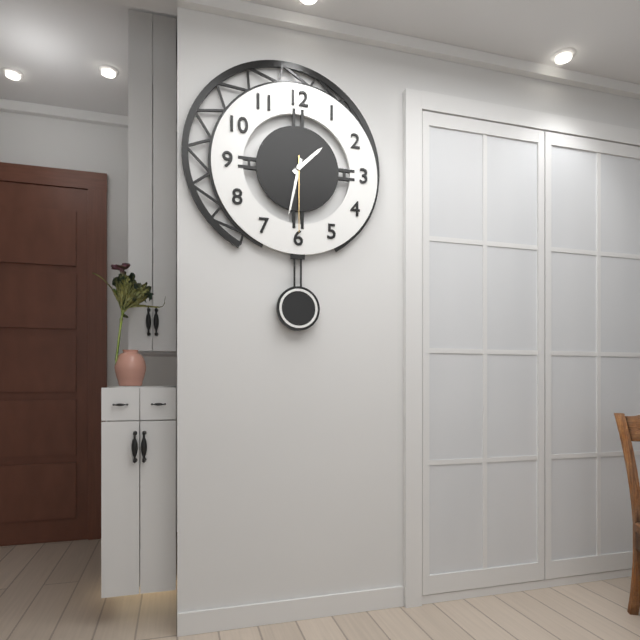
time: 1:32:30
